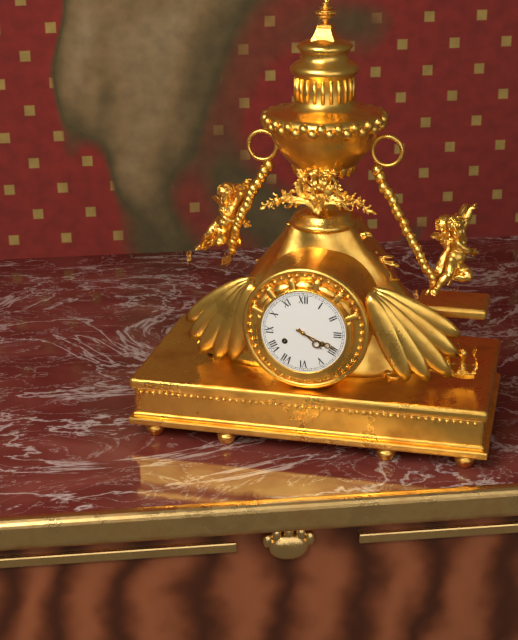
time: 4:19
